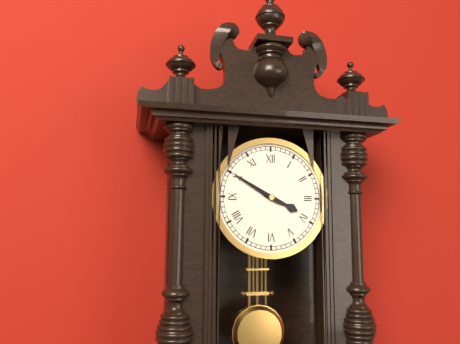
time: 3:50
